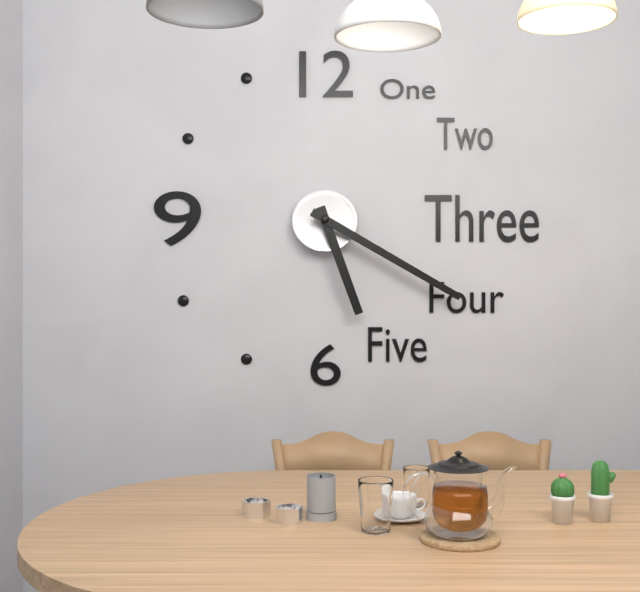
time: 5:20
